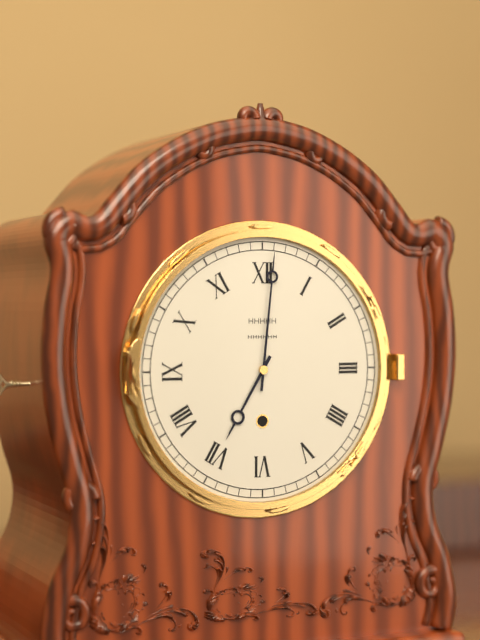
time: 7:01
